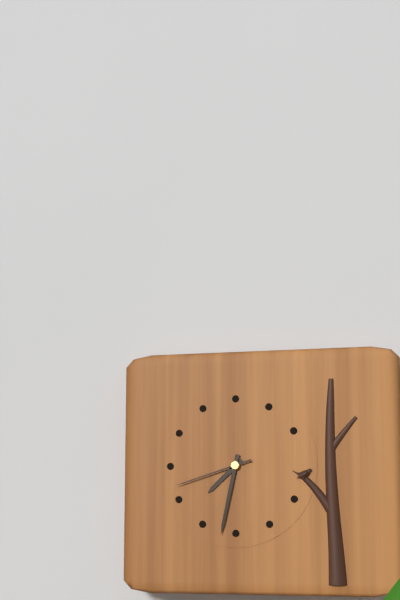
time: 7:32:42
